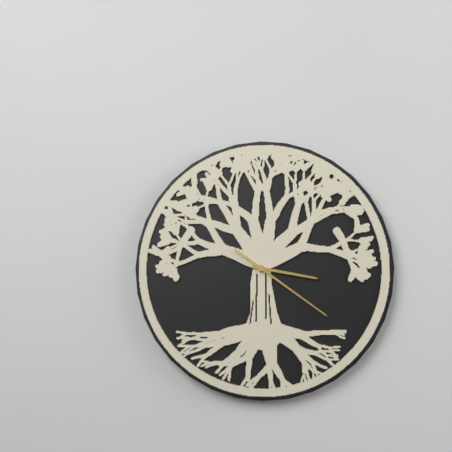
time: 3:21
